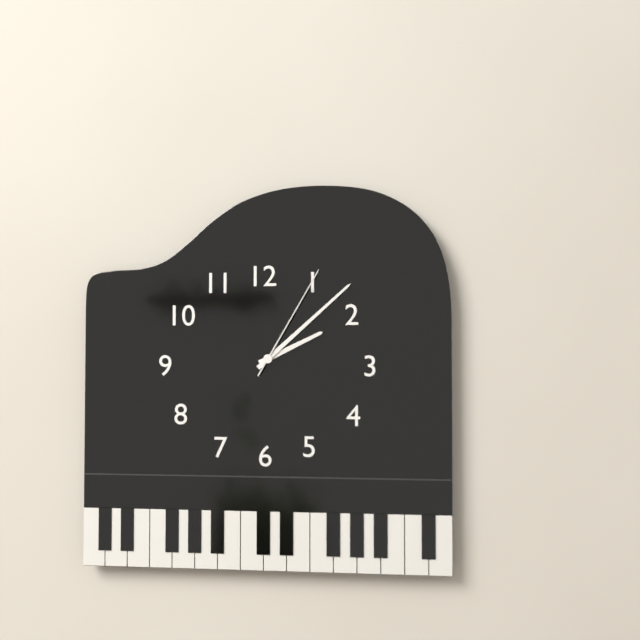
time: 2:08:05
